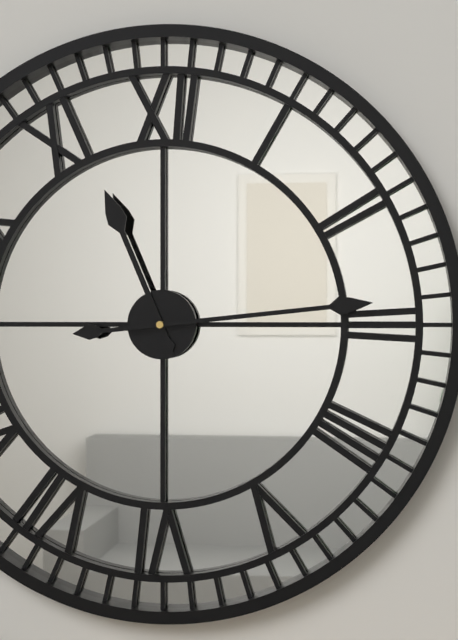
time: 11:14
